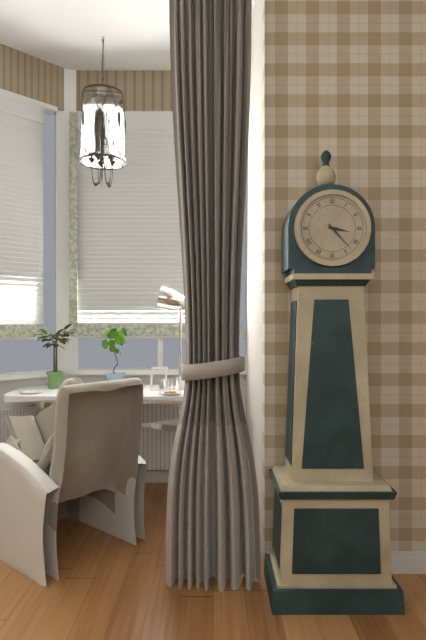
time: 3:23
